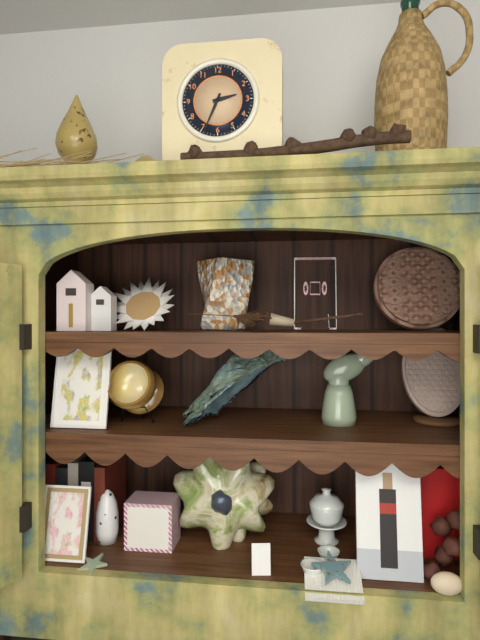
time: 2:34
